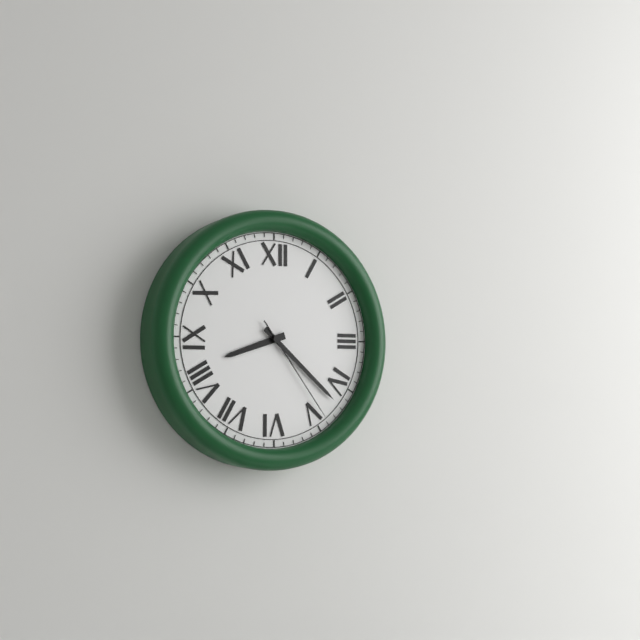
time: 8:22:24
